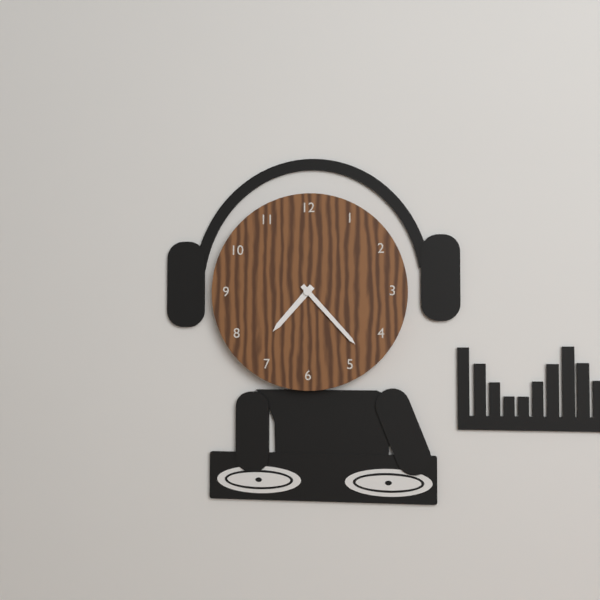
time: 7:23
